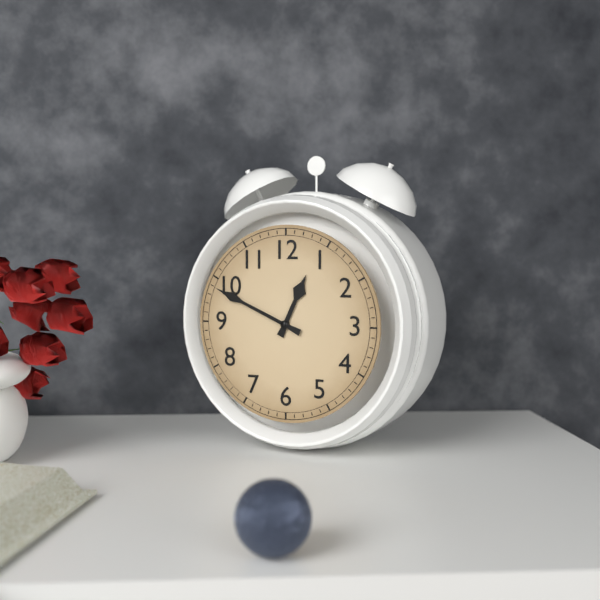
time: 12:49
